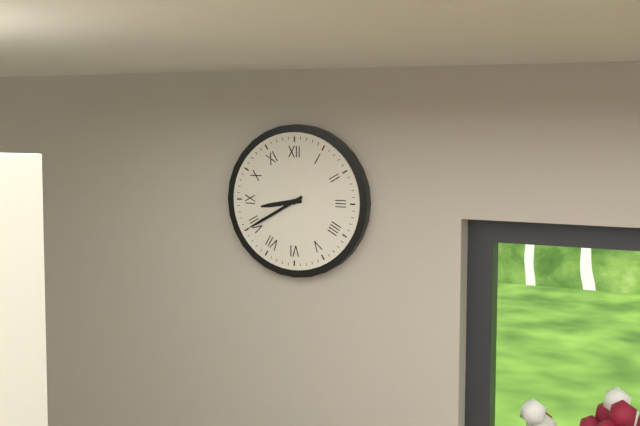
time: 8:40
